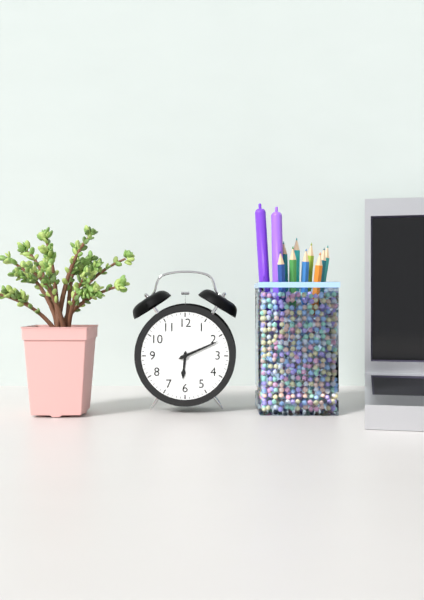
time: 6:11
